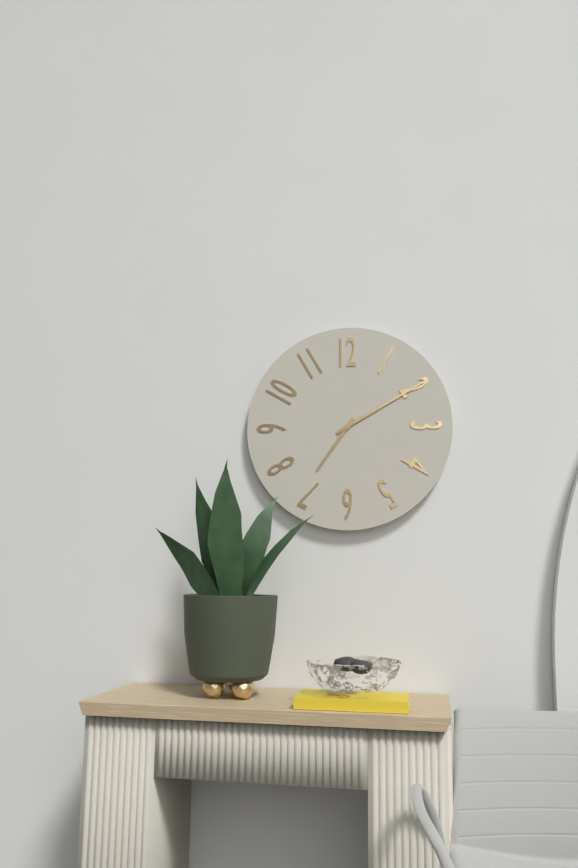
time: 7:10
